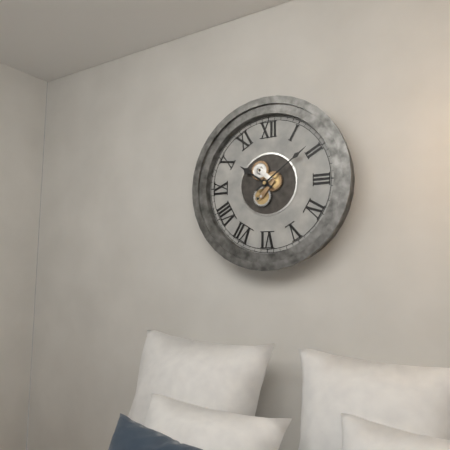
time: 10:09
